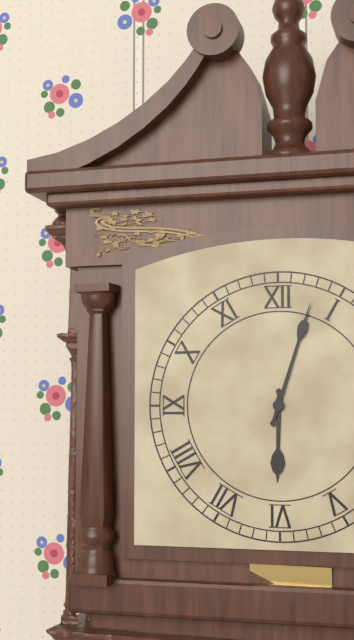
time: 6:03
